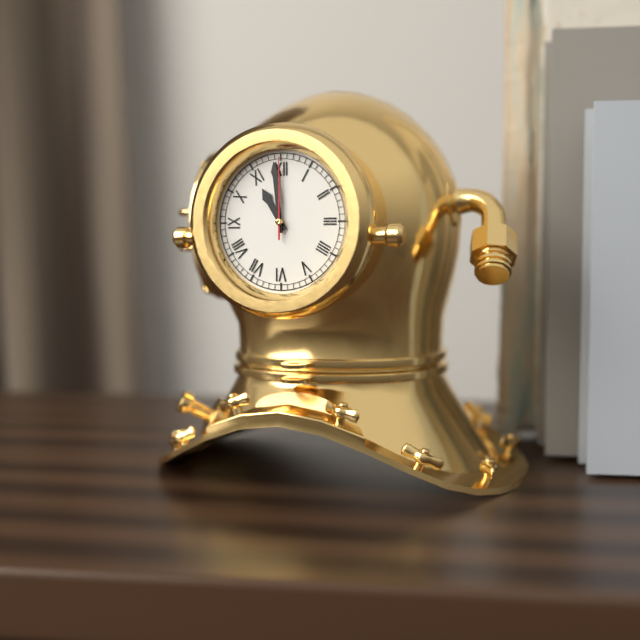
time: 10:59:00
